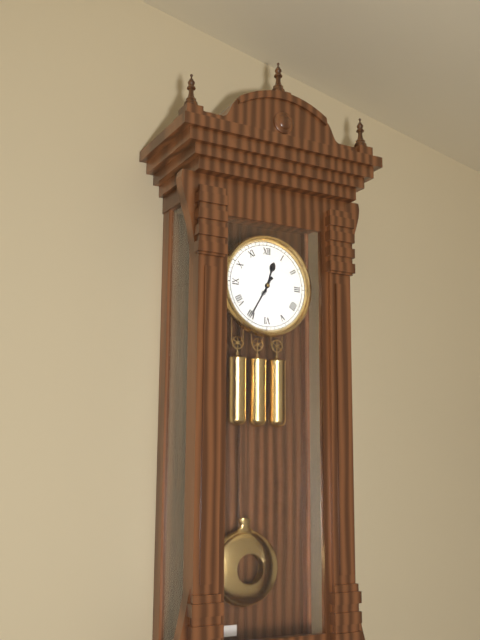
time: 12:35
